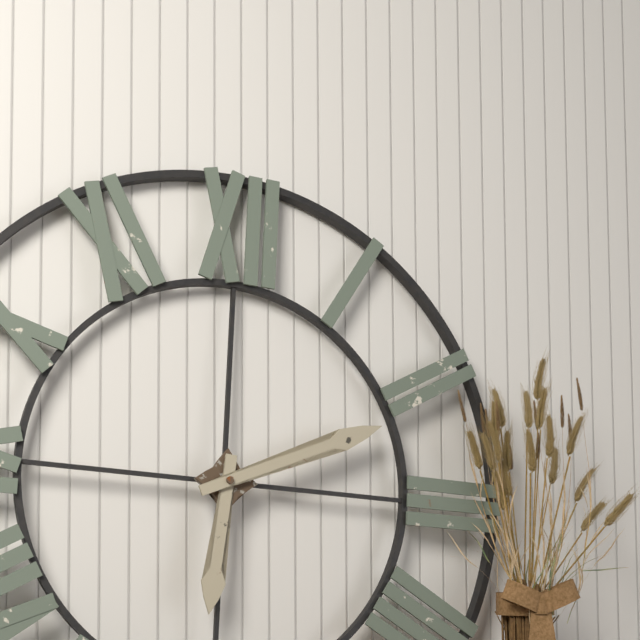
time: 6:11
